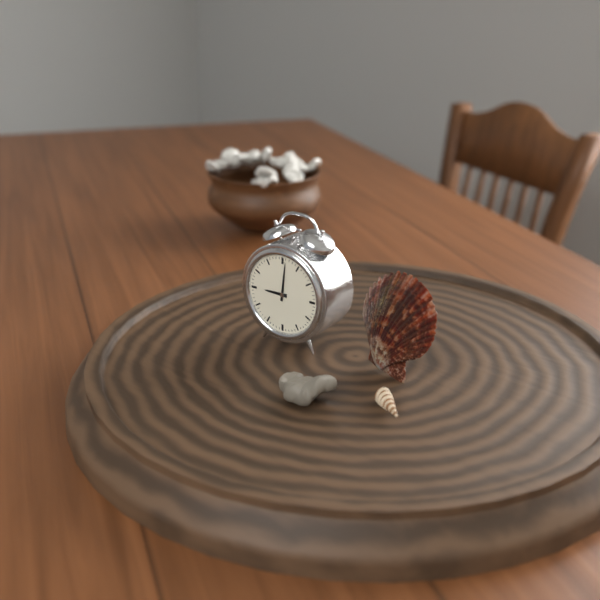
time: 9:01
